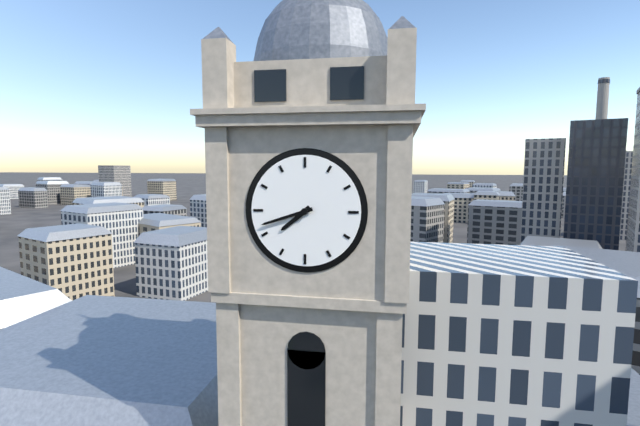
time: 7:42
